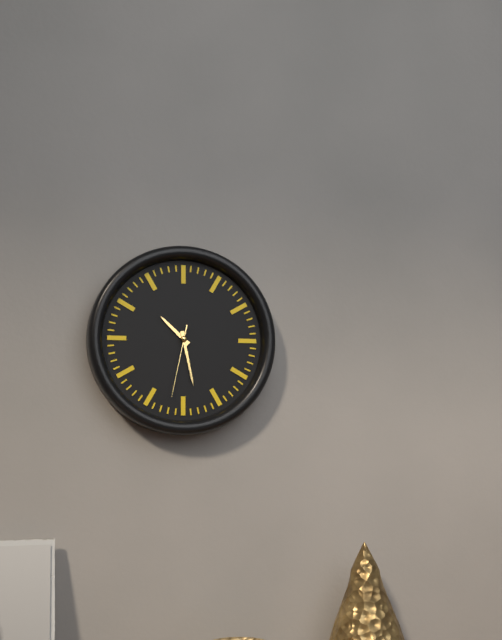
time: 10:28:32
